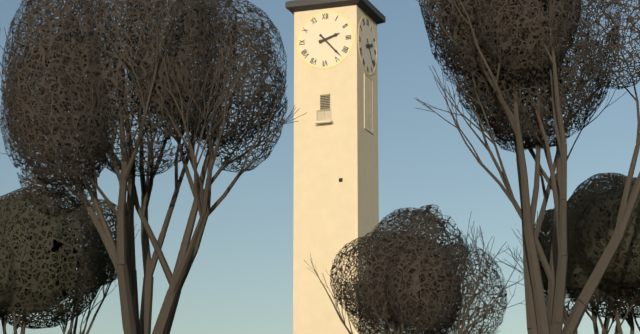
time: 2:23
